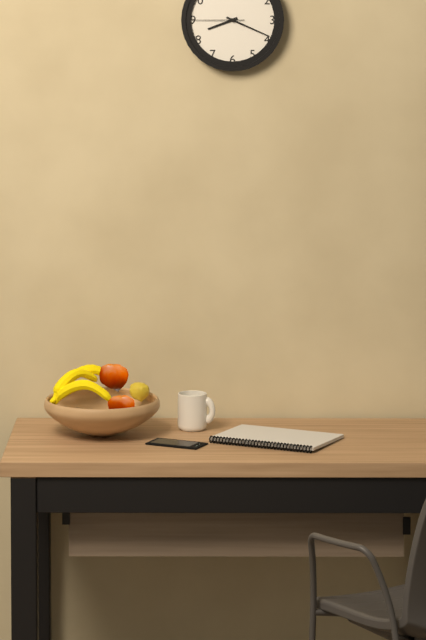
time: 8:19
